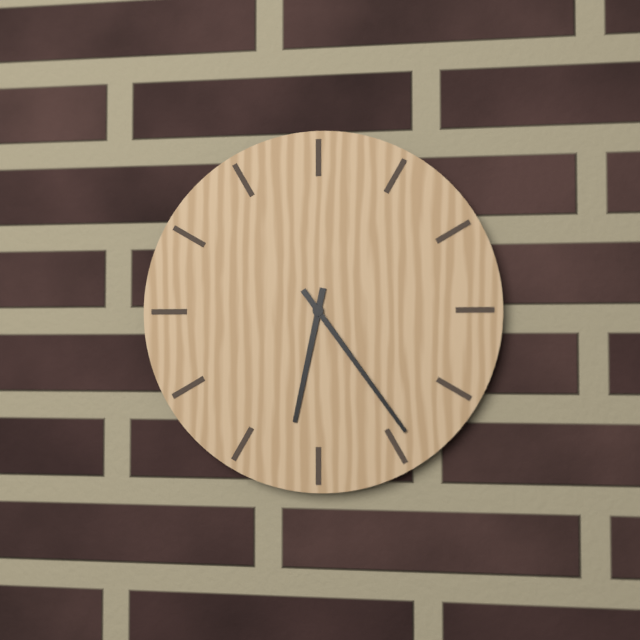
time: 6:24
